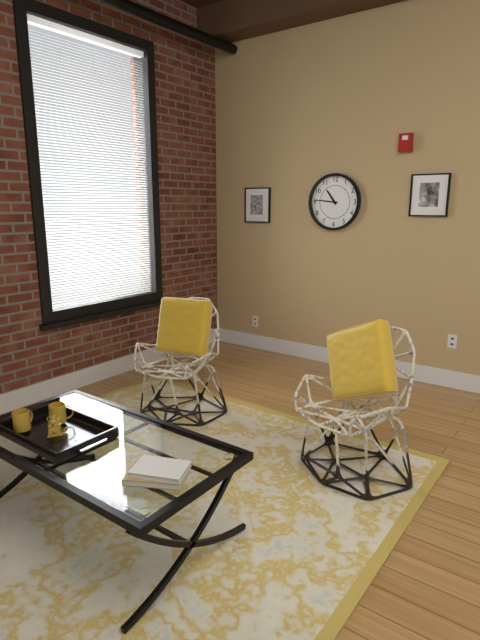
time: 10:46
